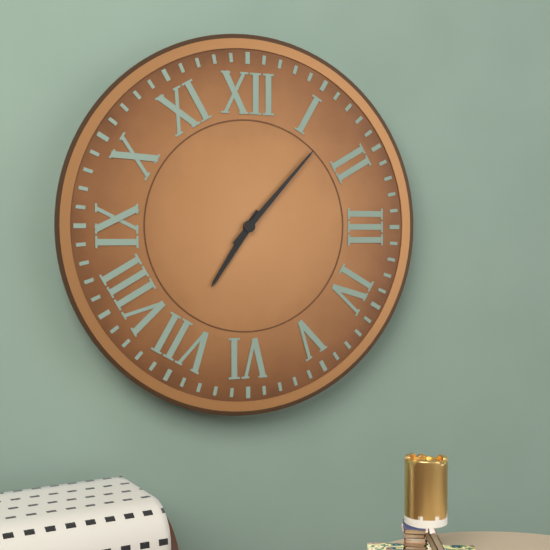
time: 7:07
